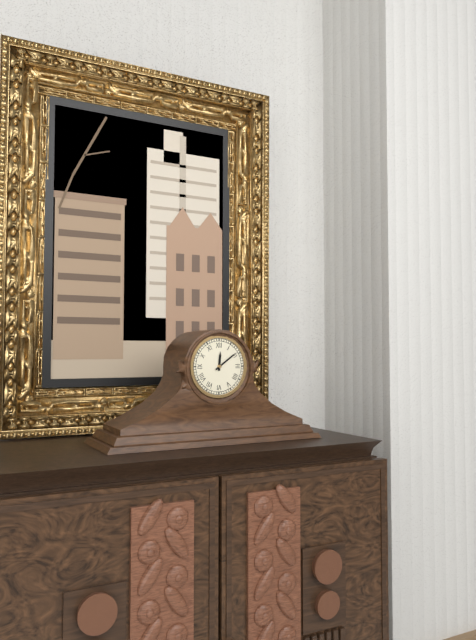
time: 12:09
